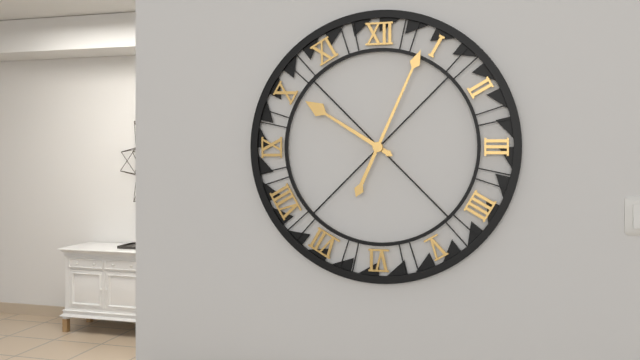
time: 10:04
